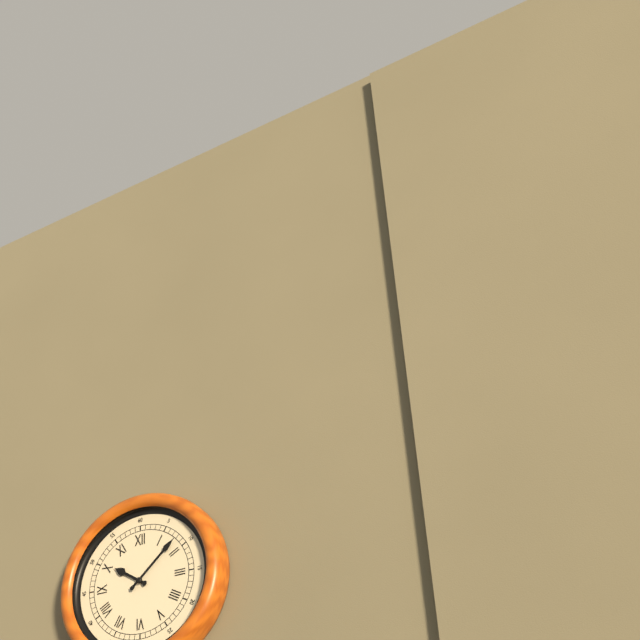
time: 10:08
